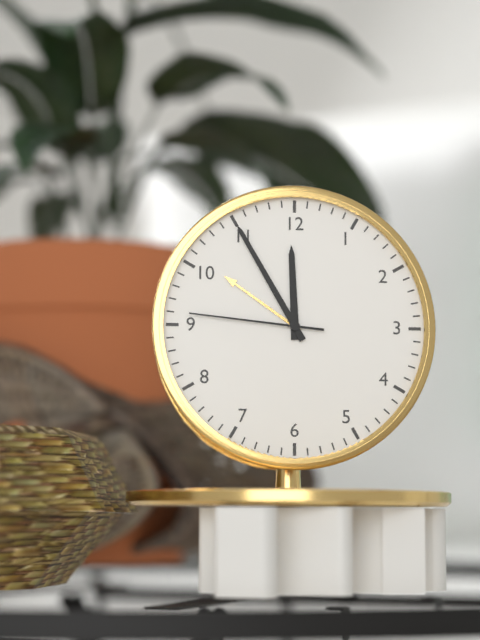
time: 11:55:46
